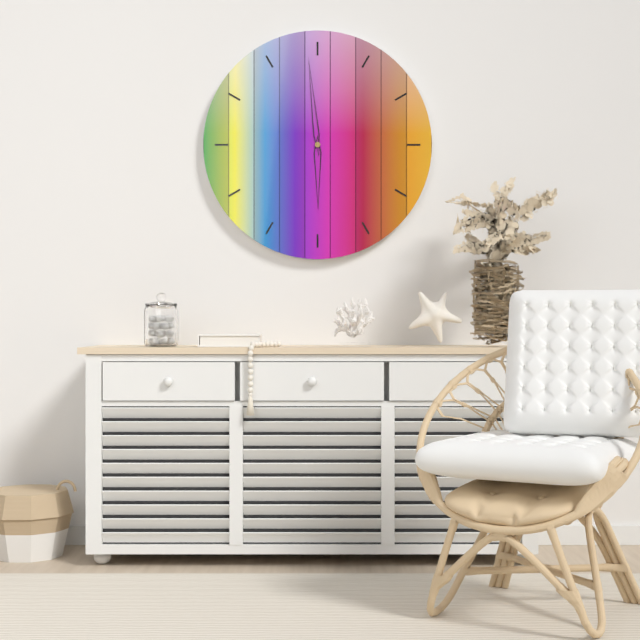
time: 5:59
